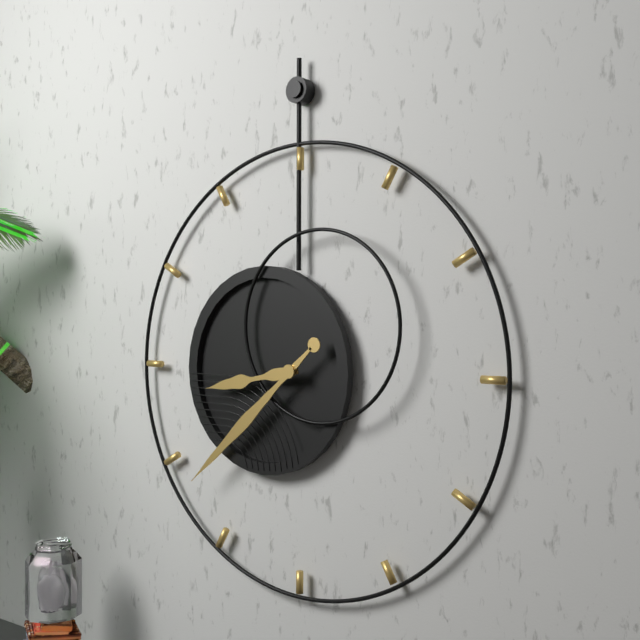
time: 8:38
